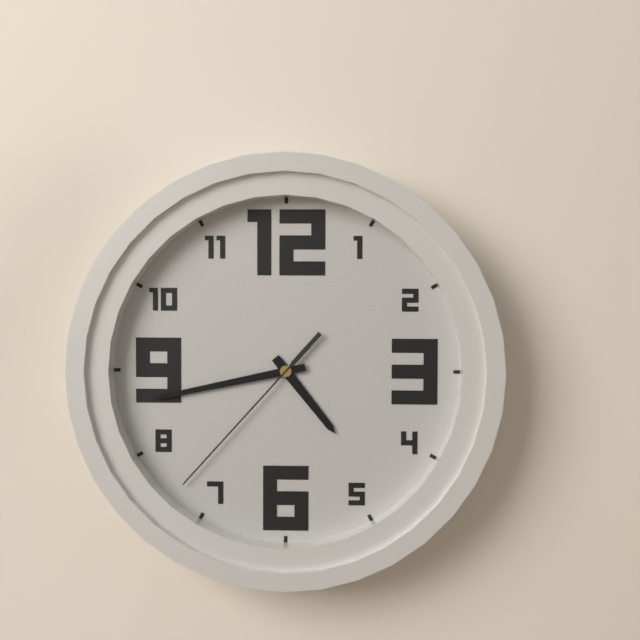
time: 4:43:37
